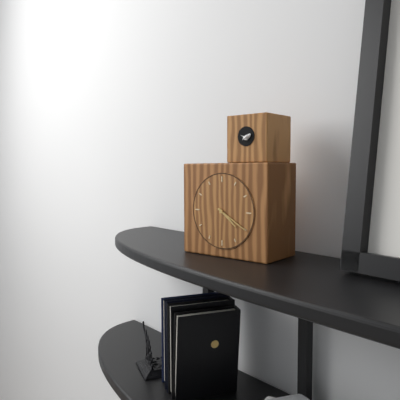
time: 4:20
